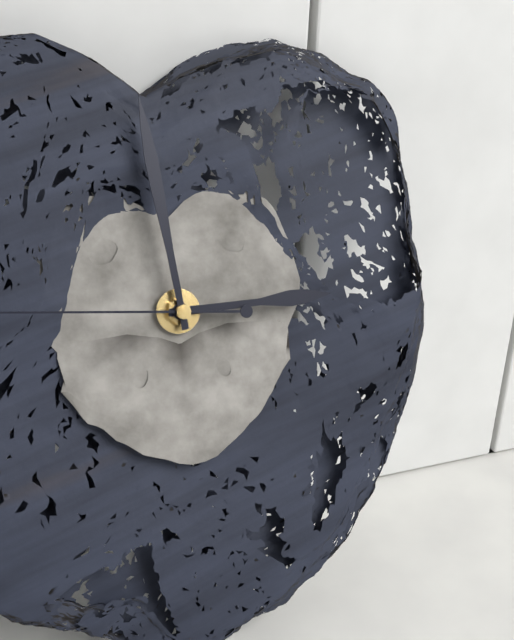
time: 2:59
